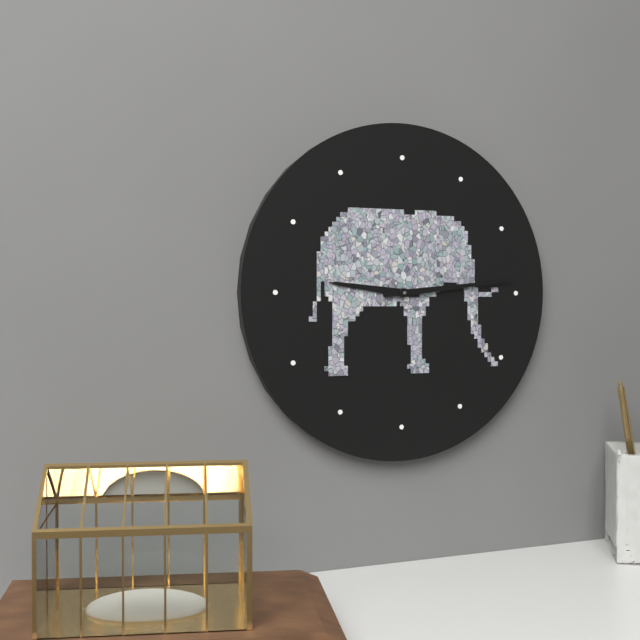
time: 9:14
